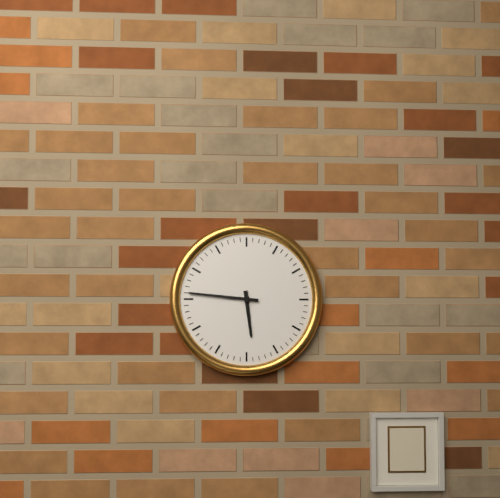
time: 5:46
